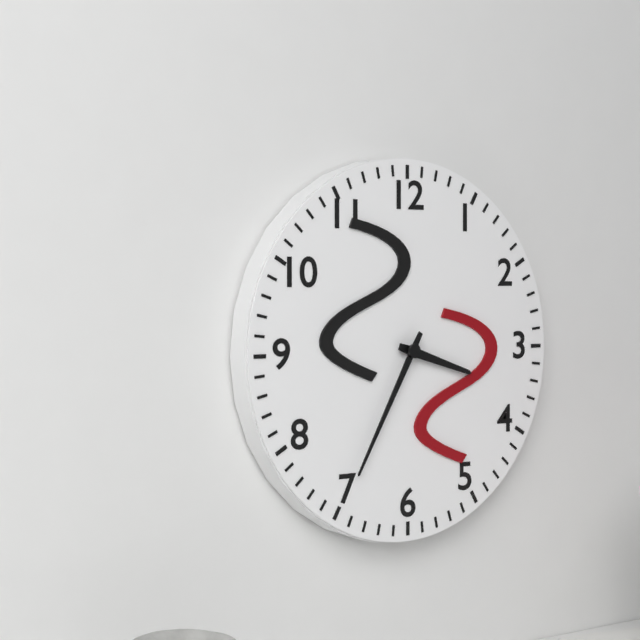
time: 3:35
